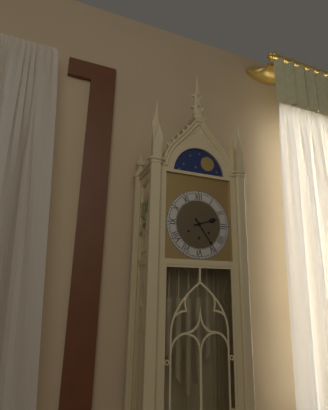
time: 2:24
